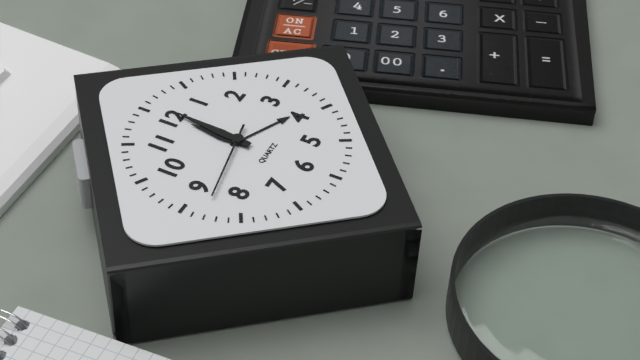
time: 12:01:43
